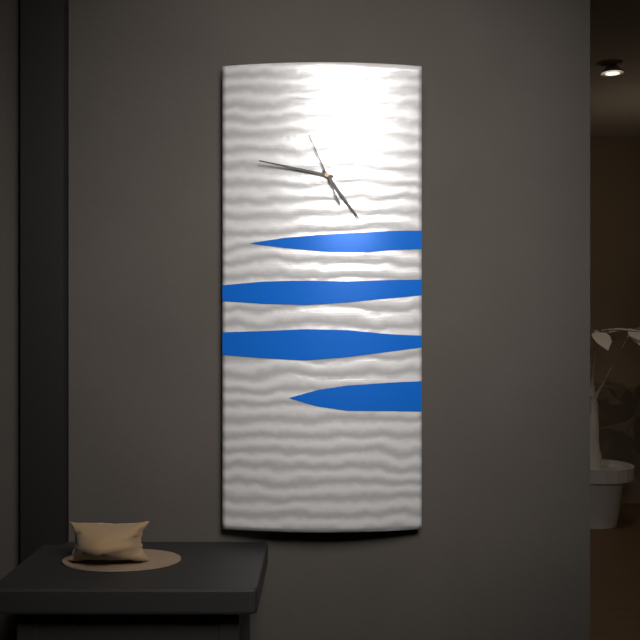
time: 4:47:56
